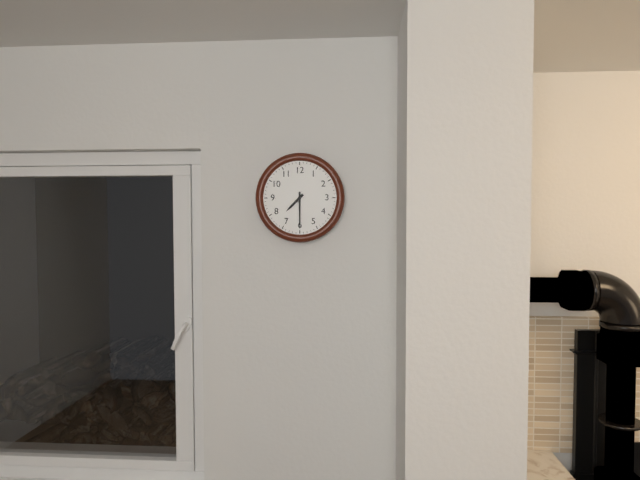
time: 7:30
